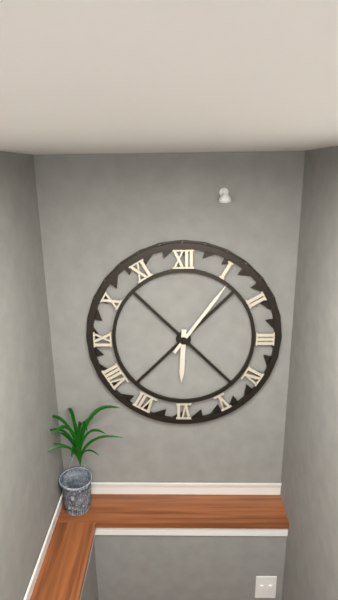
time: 6:06
